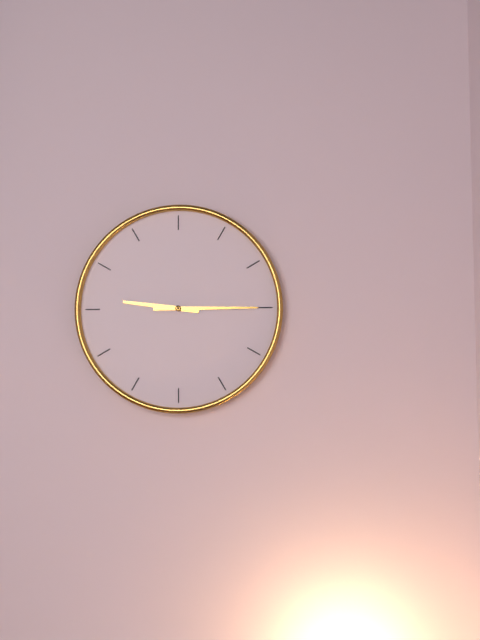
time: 9:15
